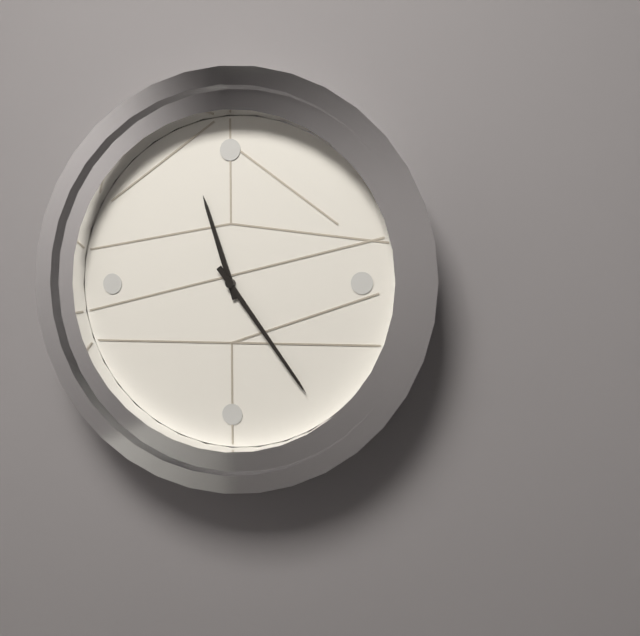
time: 11:24
